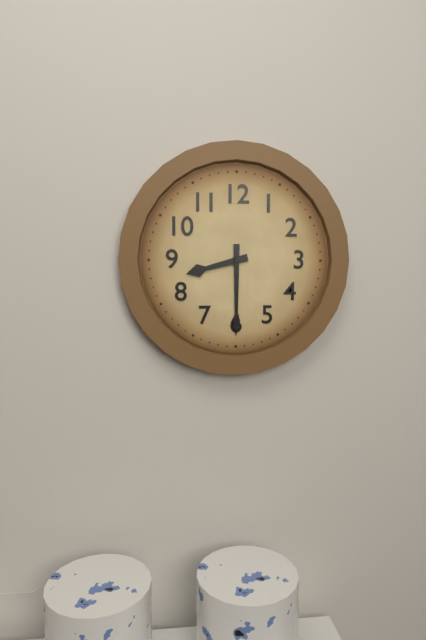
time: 8:30
